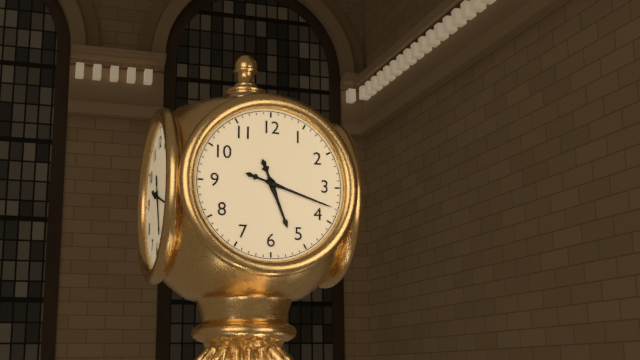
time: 5:18
